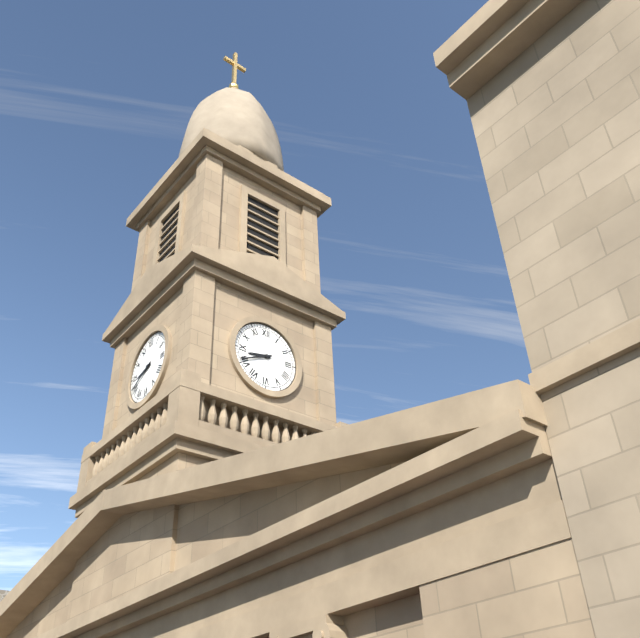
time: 8:41
